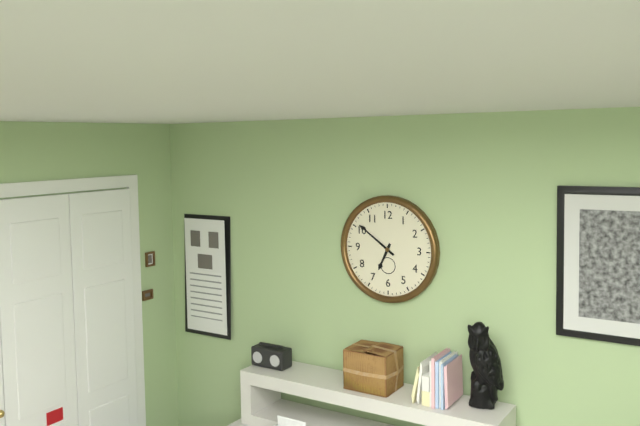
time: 6:51
